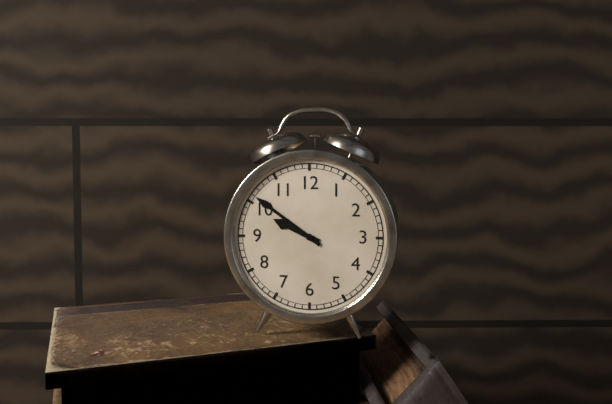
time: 9:51
